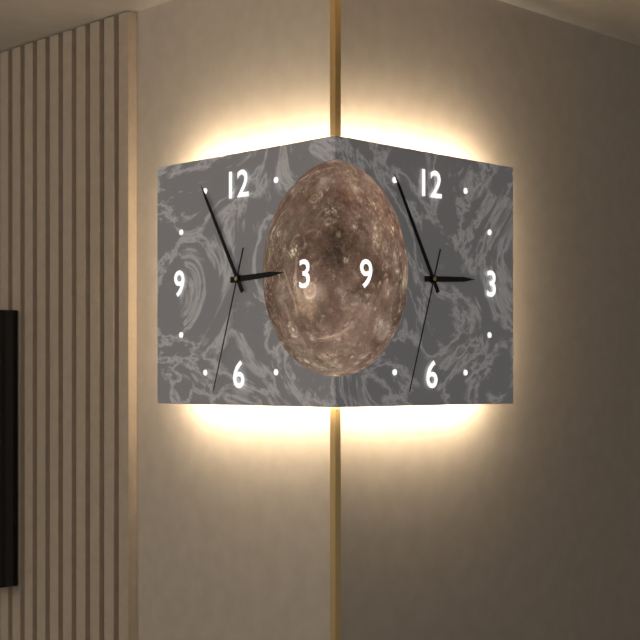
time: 2:55:33
